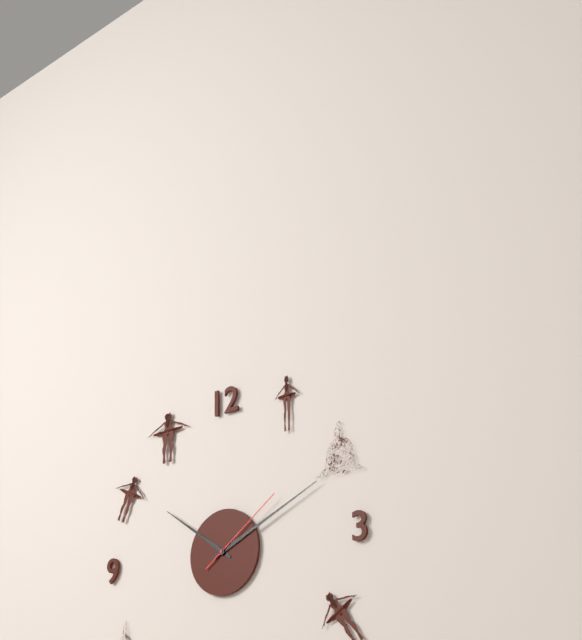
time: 10:11:09
